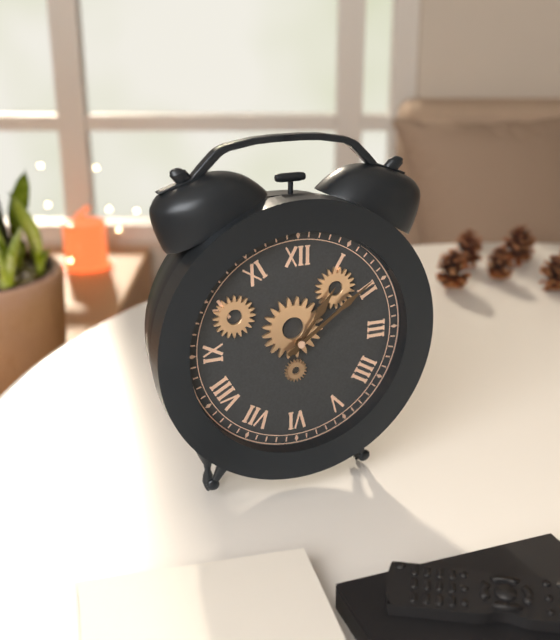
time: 1:09
